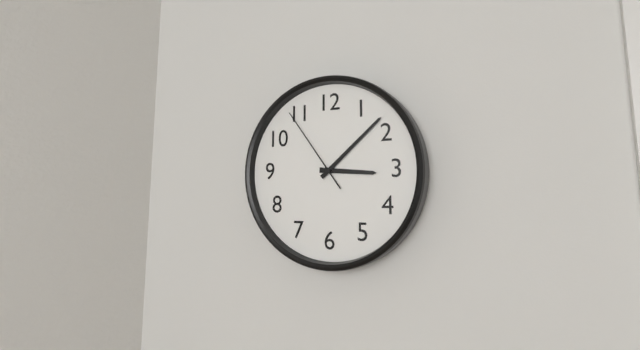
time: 3:08:54
